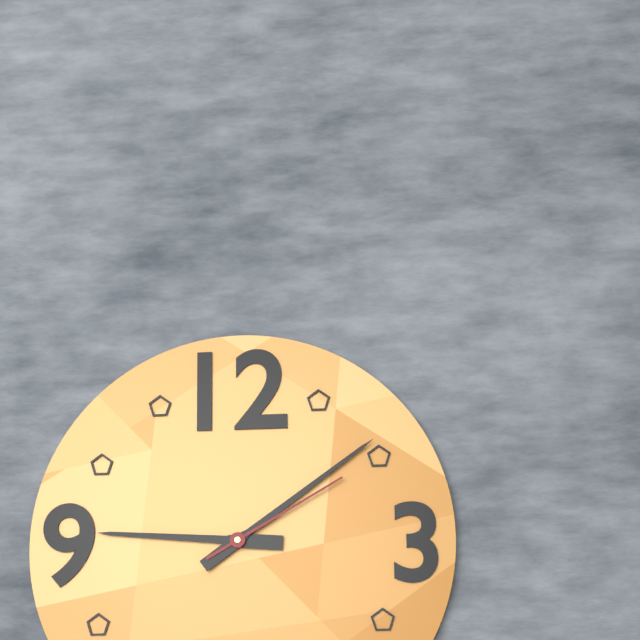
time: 9:09:10
